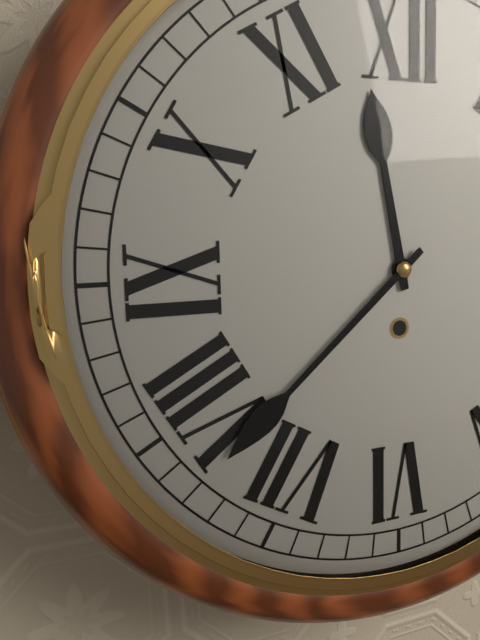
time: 11:38
